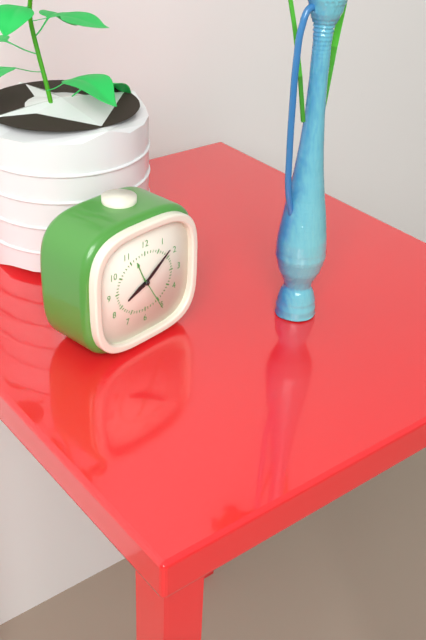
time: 8:09
